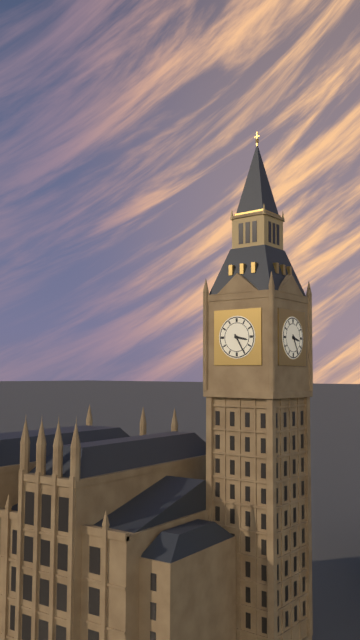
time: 3:25
